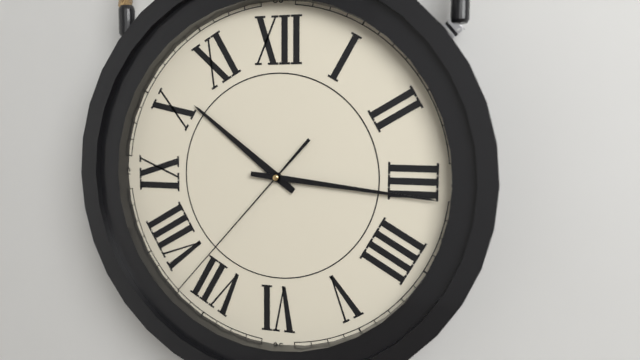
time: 10:16:37
